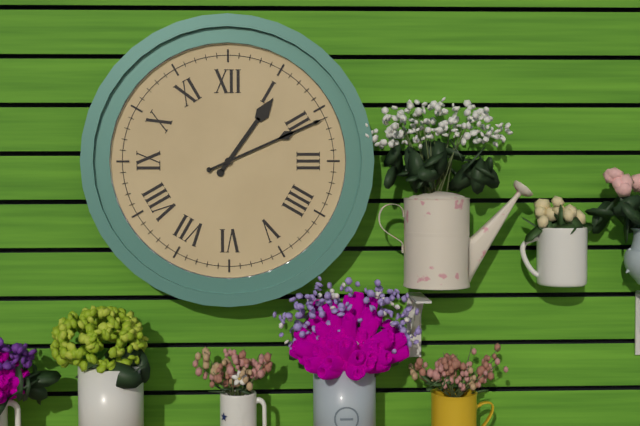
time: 1:11
